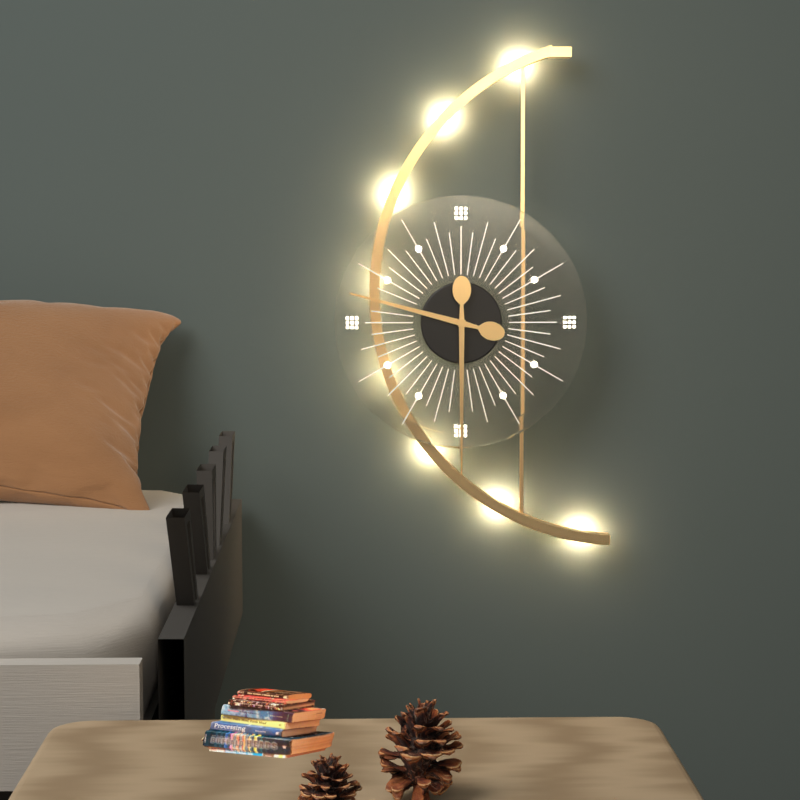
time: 9:30
